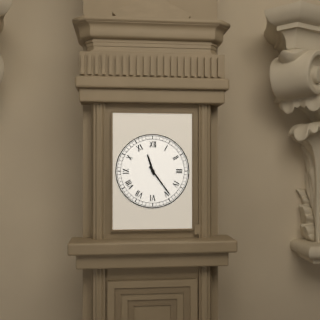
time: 11:24
